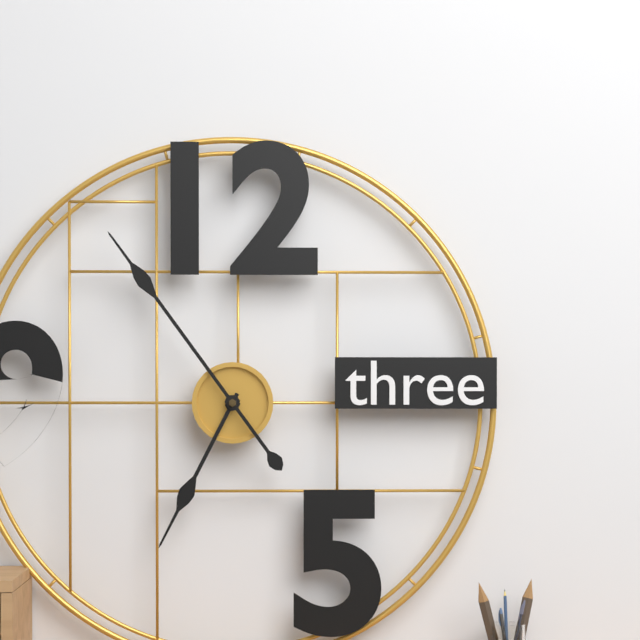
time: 6:54
